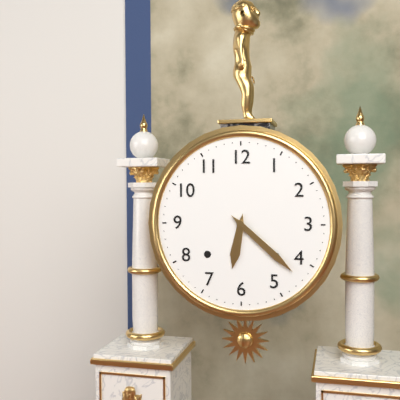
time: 6:22
